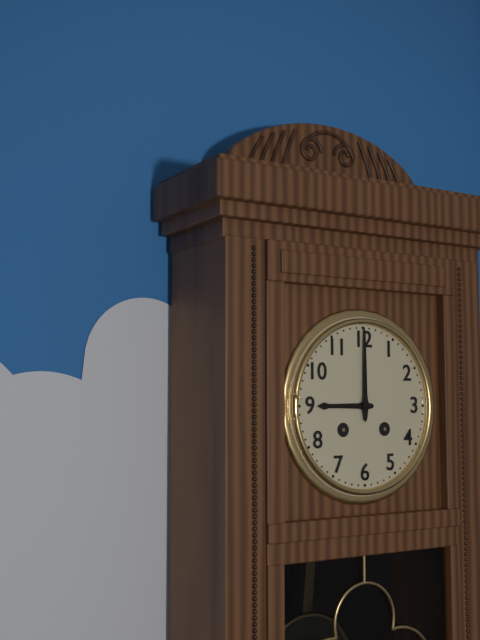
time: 9:00
